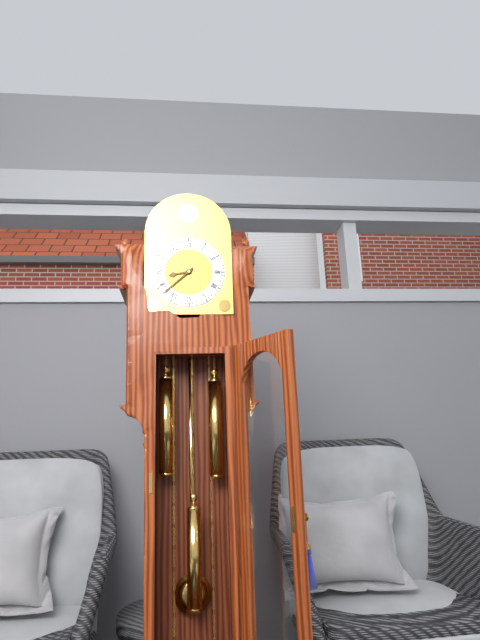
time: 8:38
